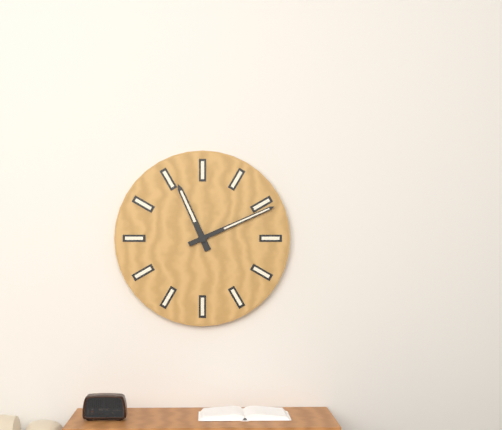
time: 11:11
